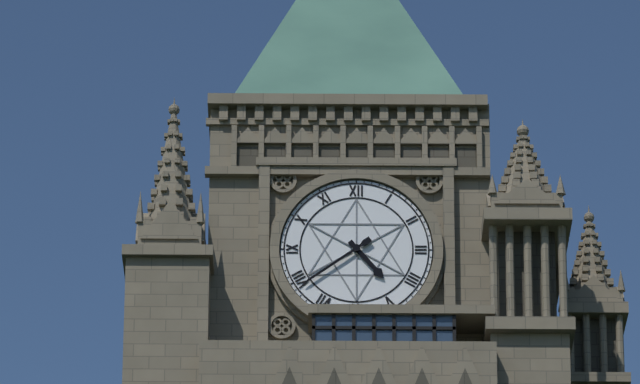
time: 4:39
